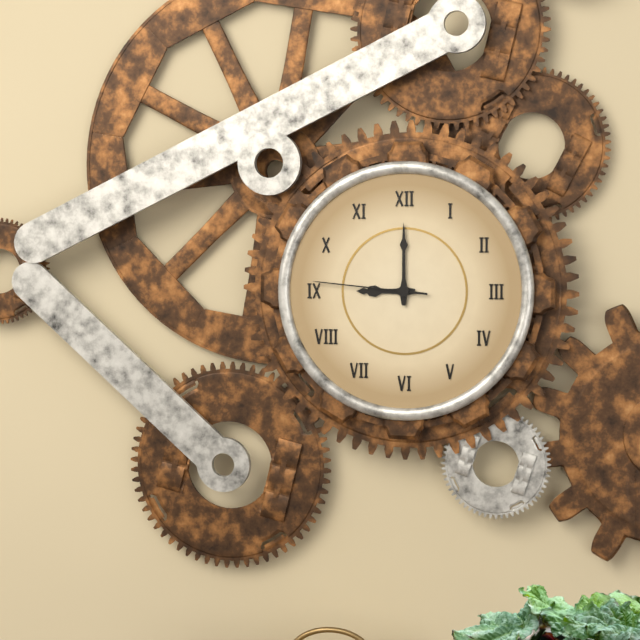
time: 9:00:46
